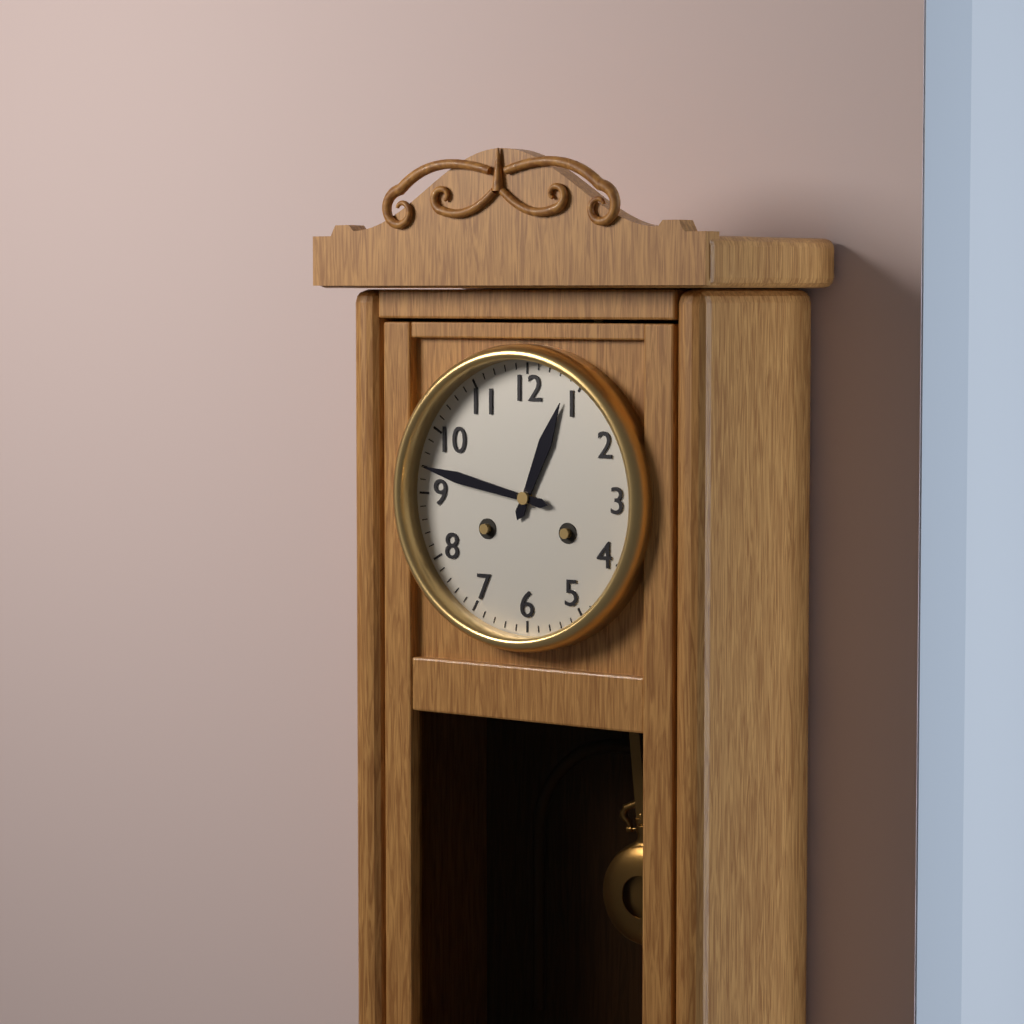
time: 12:47
